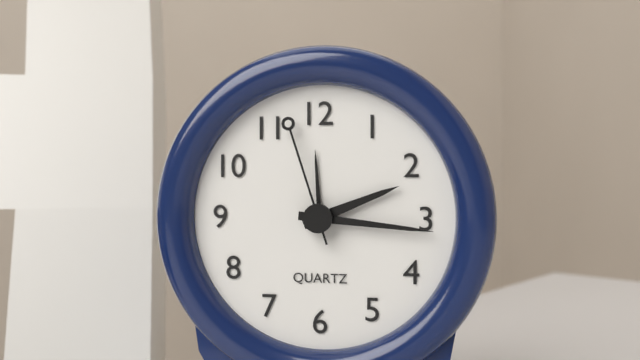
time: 2:16:57
